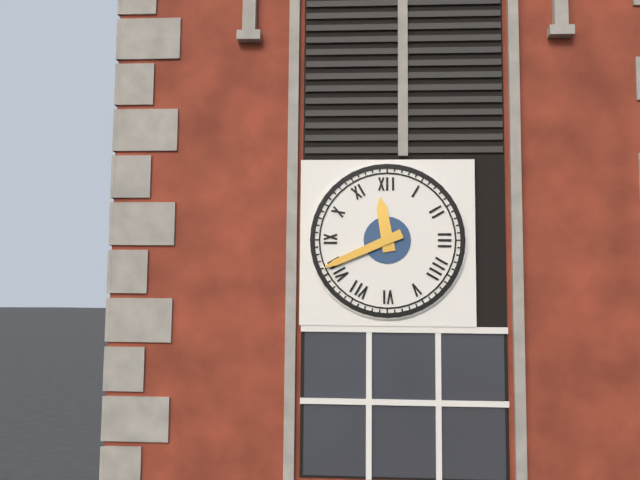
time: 11:41
